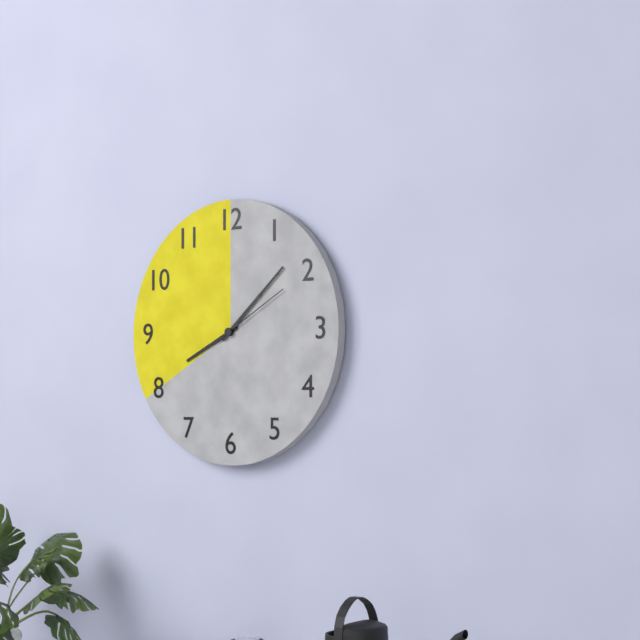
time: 8:08:10
